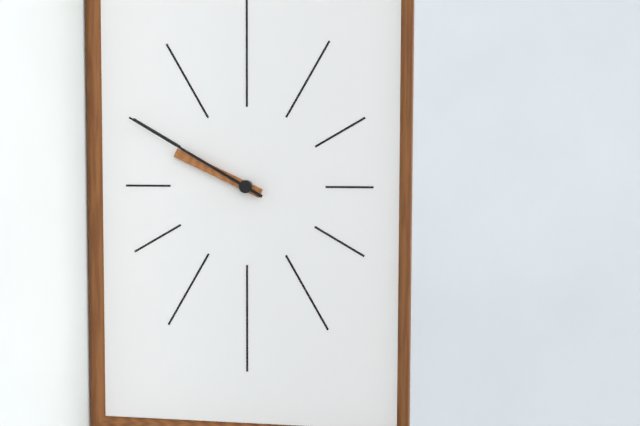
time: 9:50
